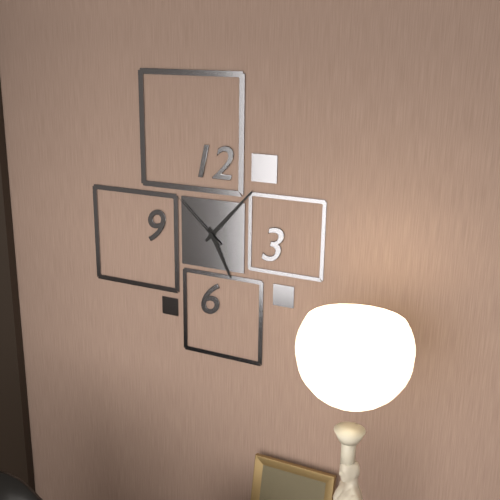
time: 5:07:52
